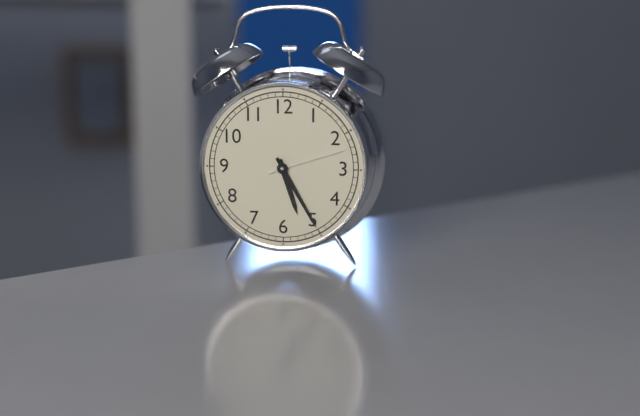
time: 5:25:12
